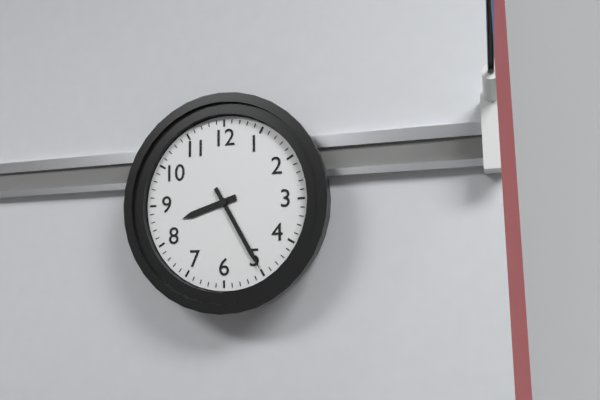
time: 8:25
